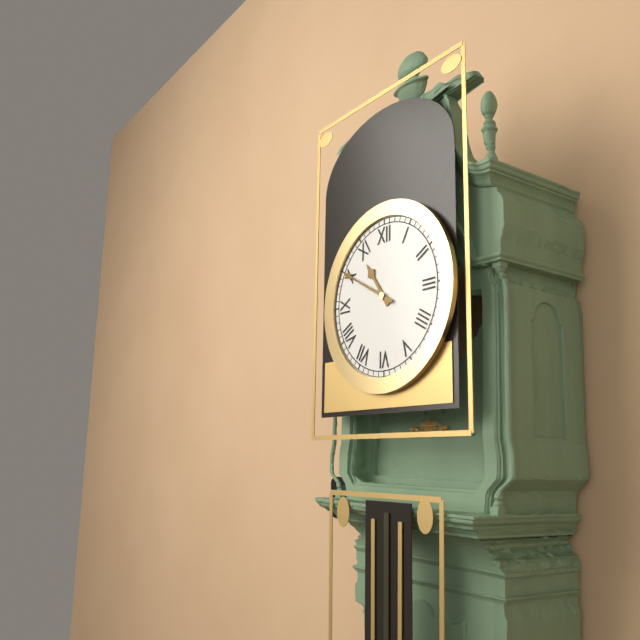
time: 10:50
